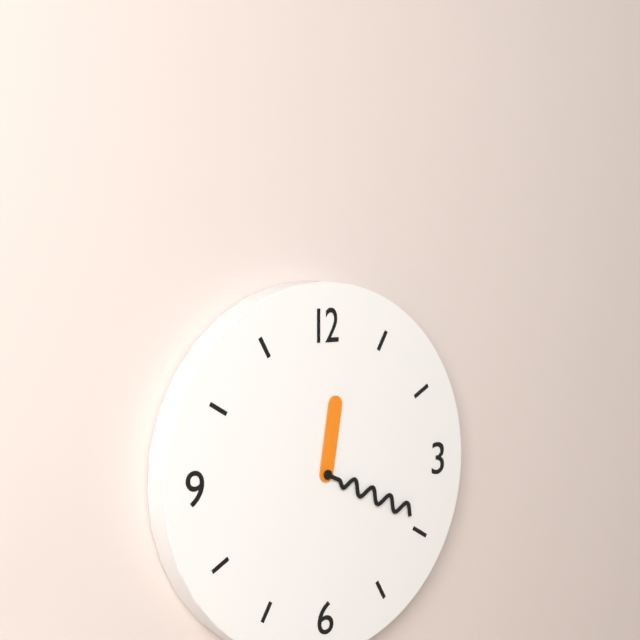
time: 12:19
